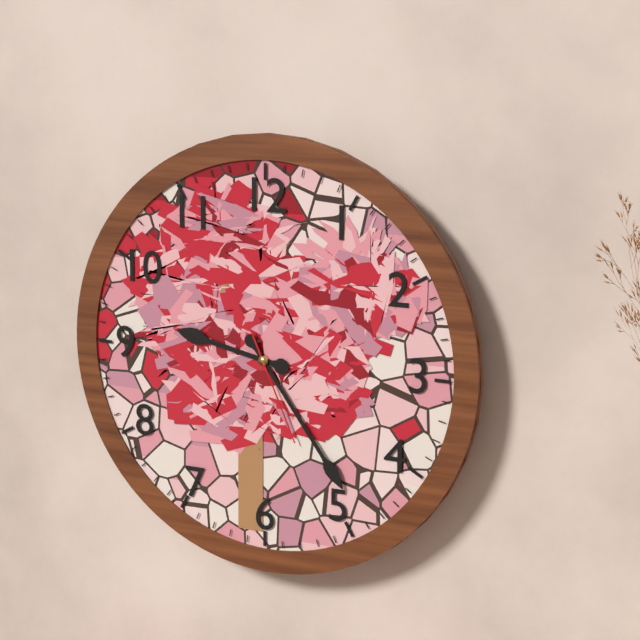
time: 9:24:26
